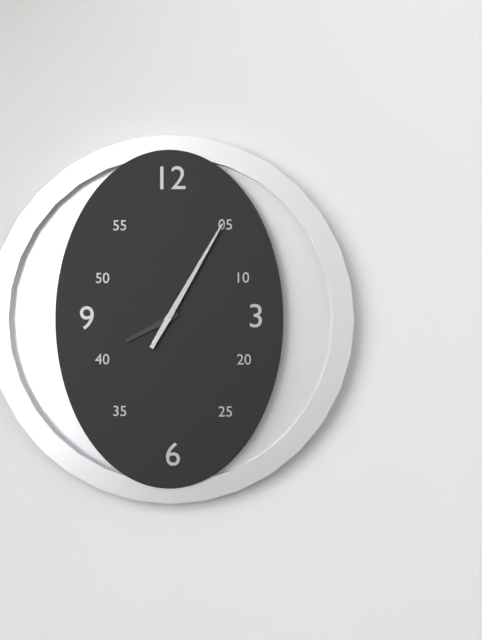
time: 8:05
